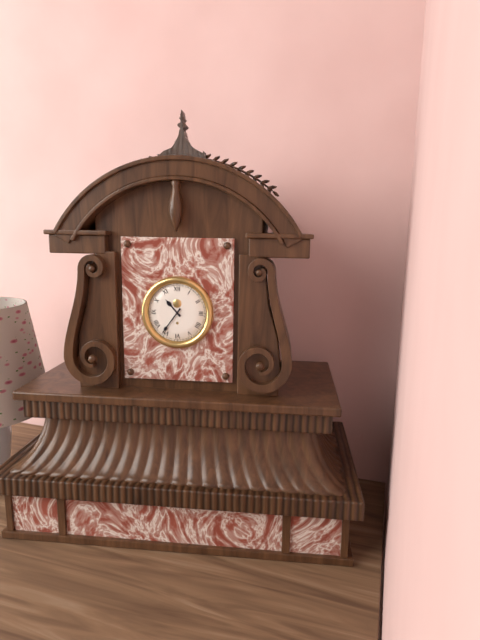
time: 10:36
